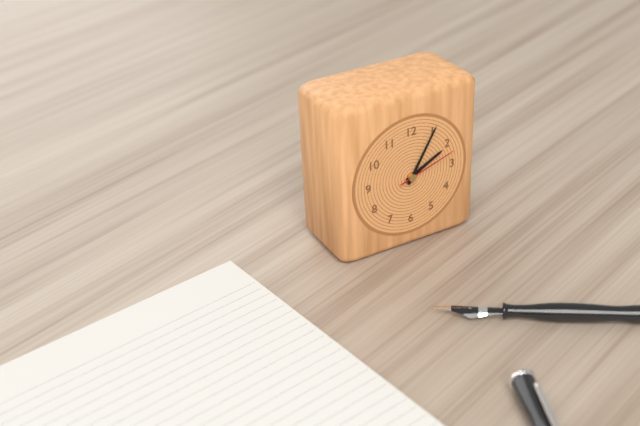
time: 2:05:12
